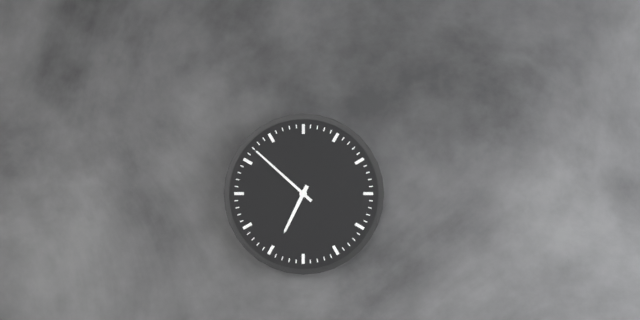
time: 6:52
